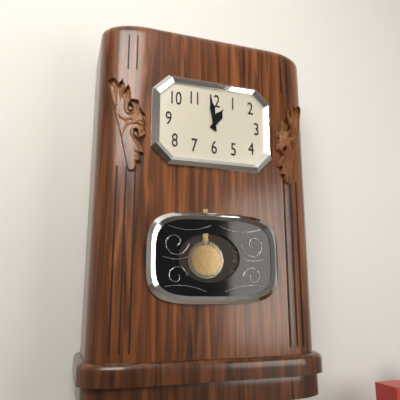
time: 12:59
